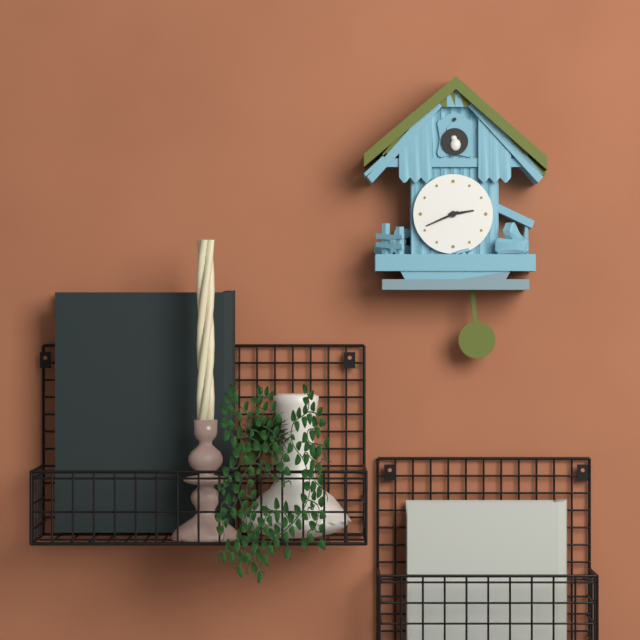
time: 2:41
